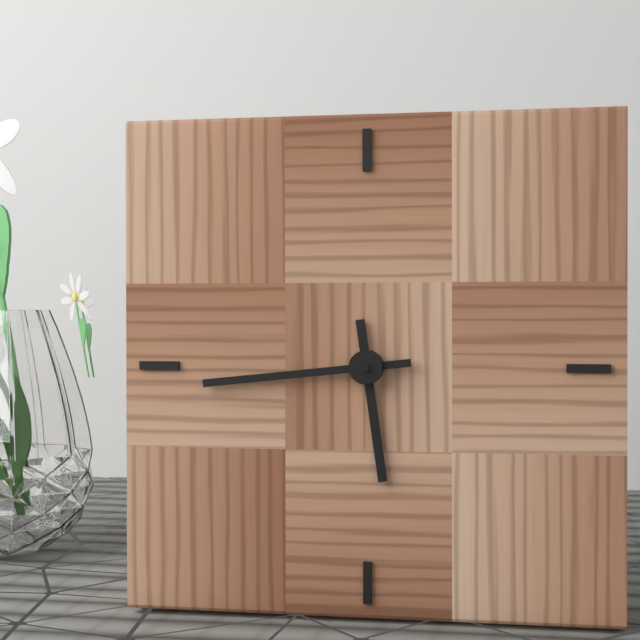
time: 5:44
